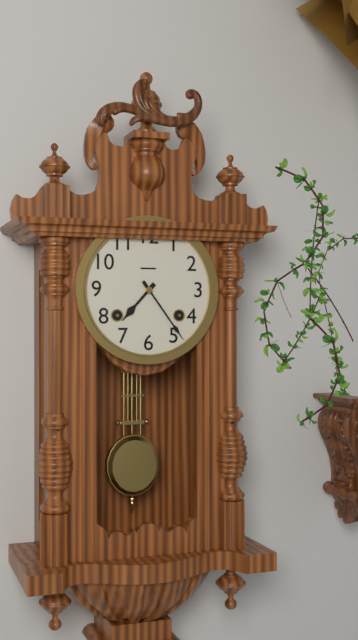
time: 7:24
